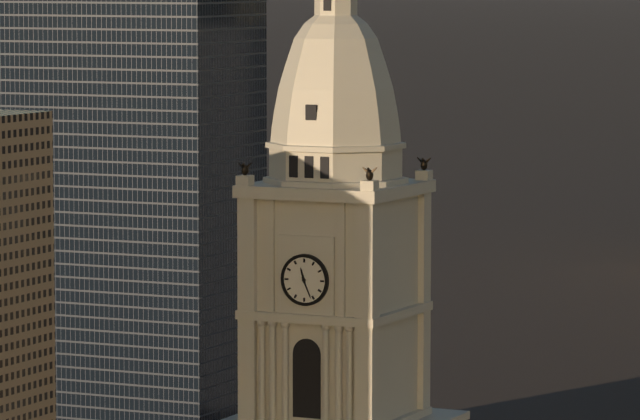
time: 11:26
